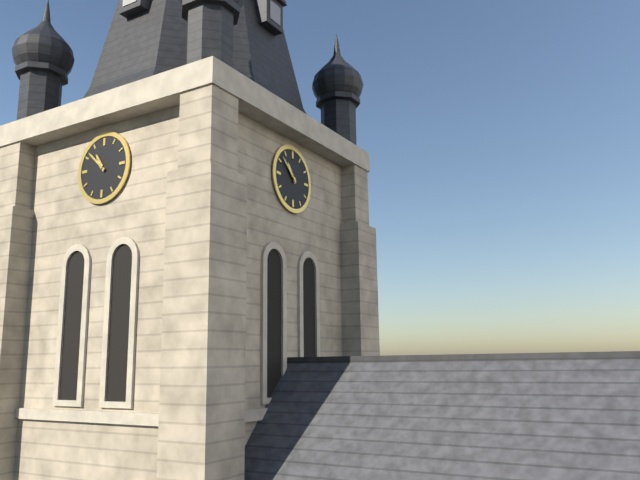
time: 10:52
